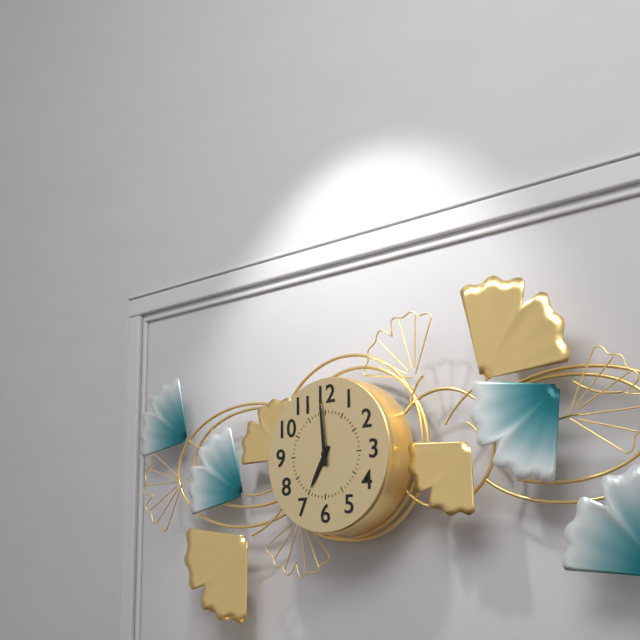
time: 6:59
